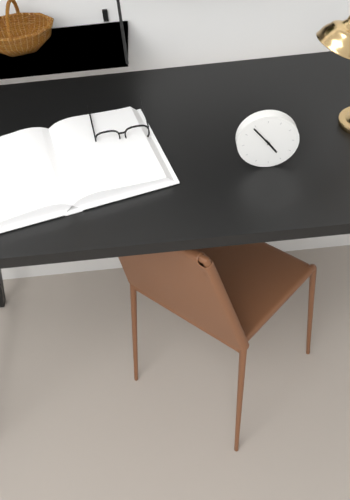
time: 4:54
